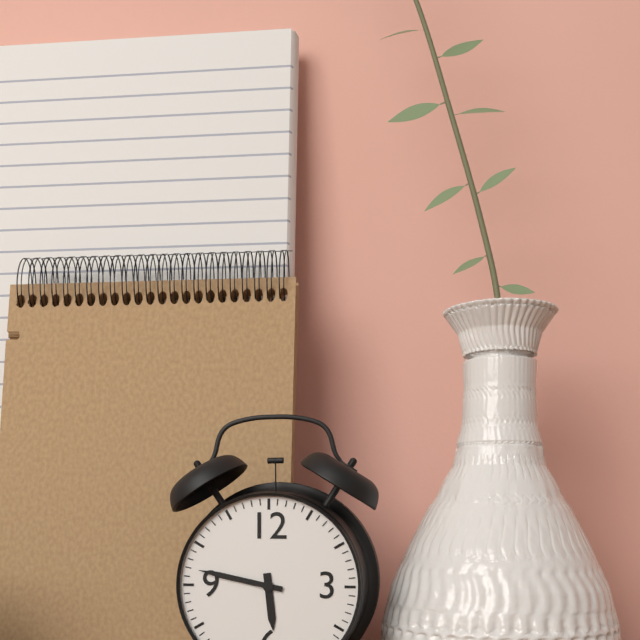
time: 5:47
